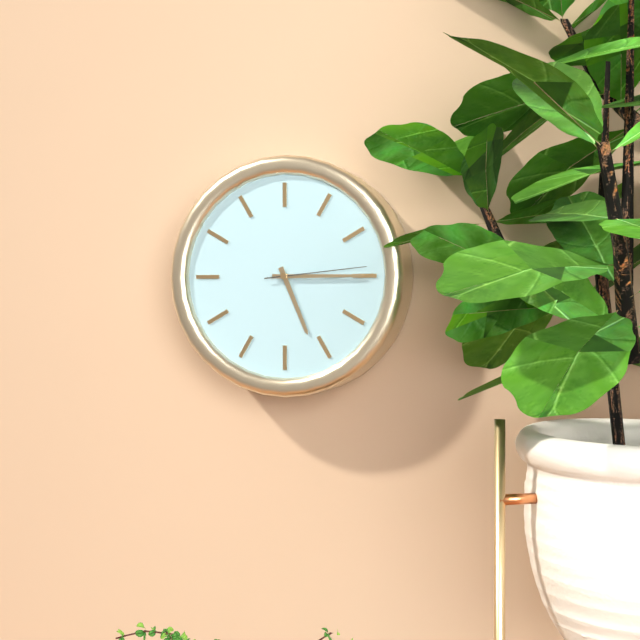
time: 5:15:14
